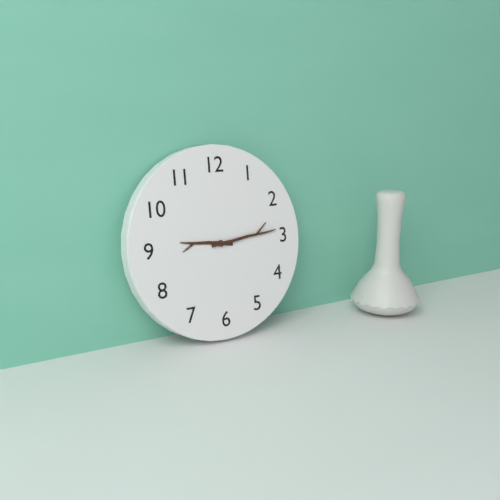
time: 9:14
